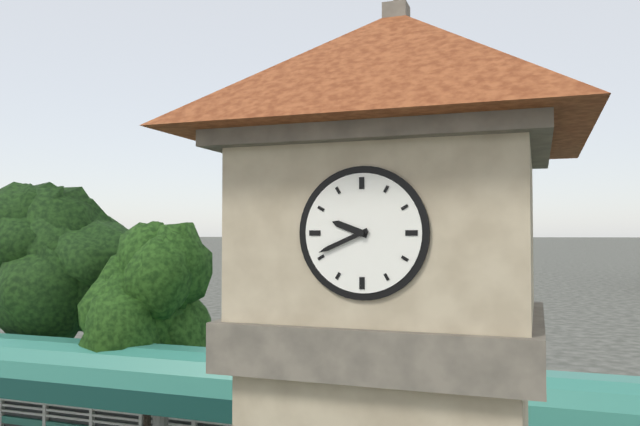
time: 9:41
